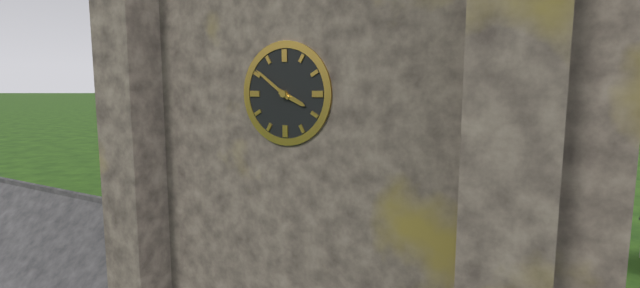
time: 3:51
